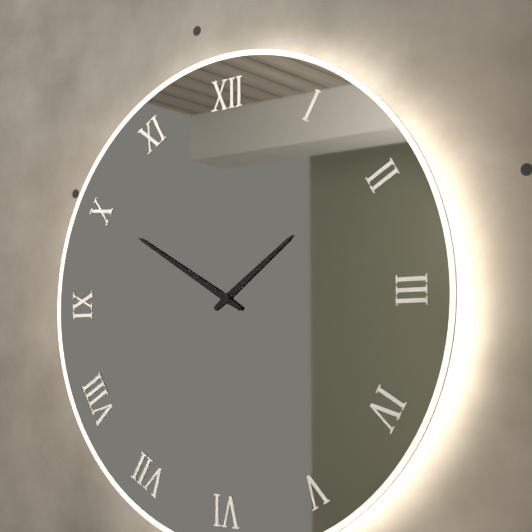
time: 1:50
